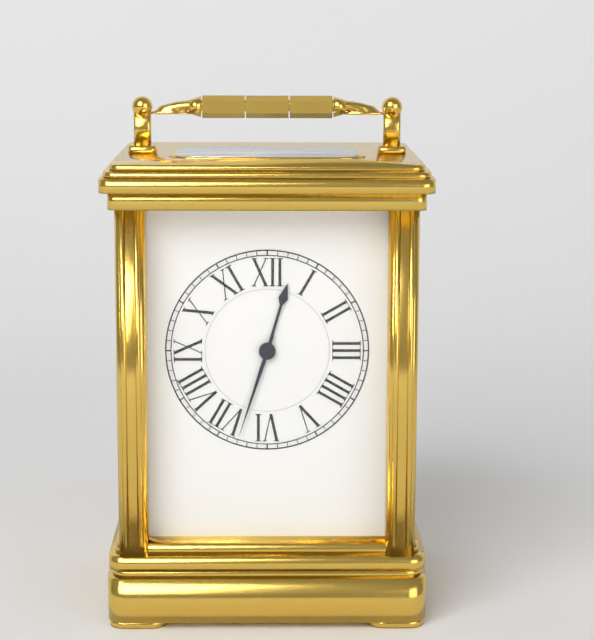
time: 12:33
